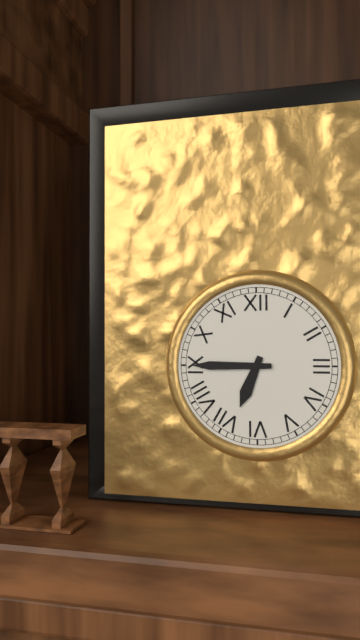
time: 6:45
